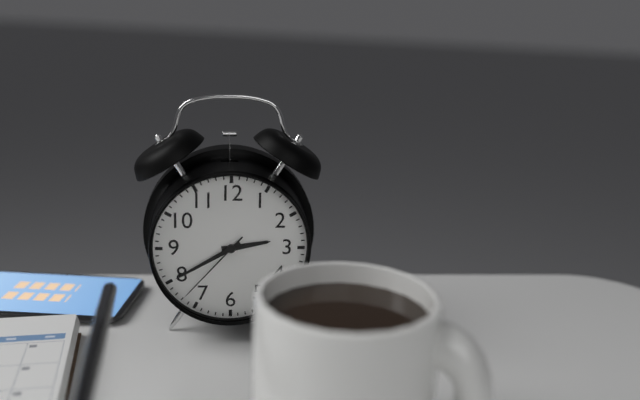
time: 2:40:37
